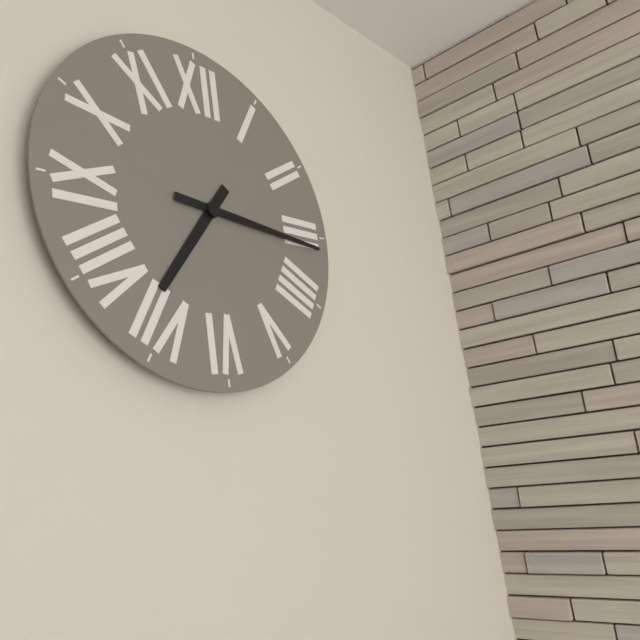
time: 7:16
